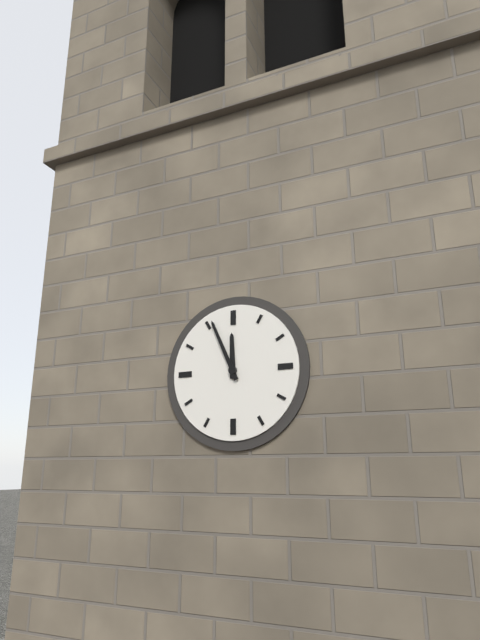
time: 11:56
